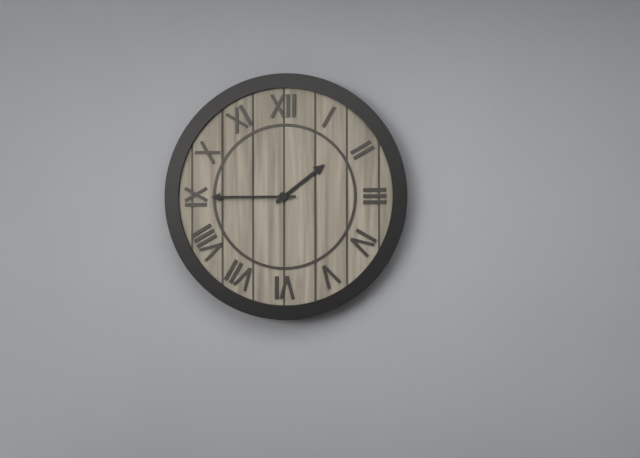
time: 1:45
